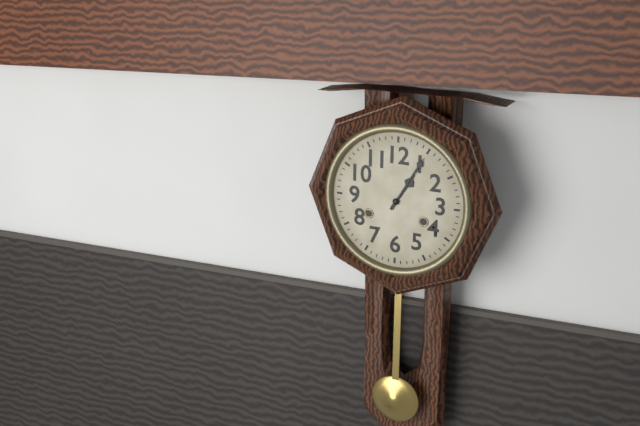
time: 1:05
